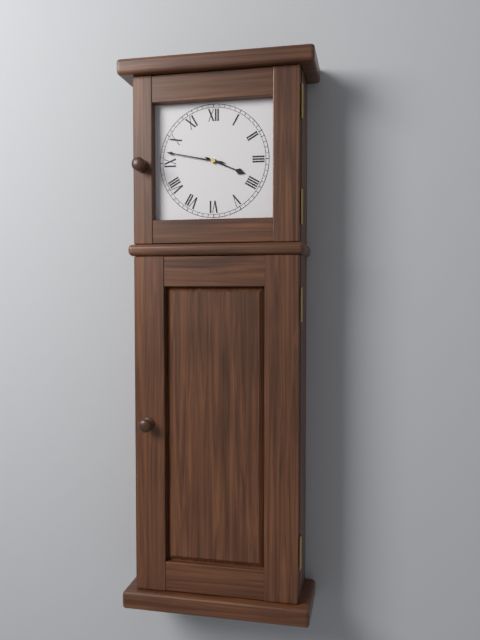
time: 3:47
